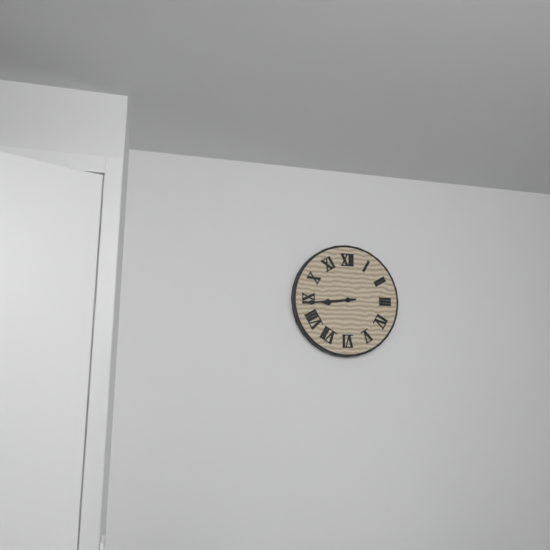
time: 8:44
